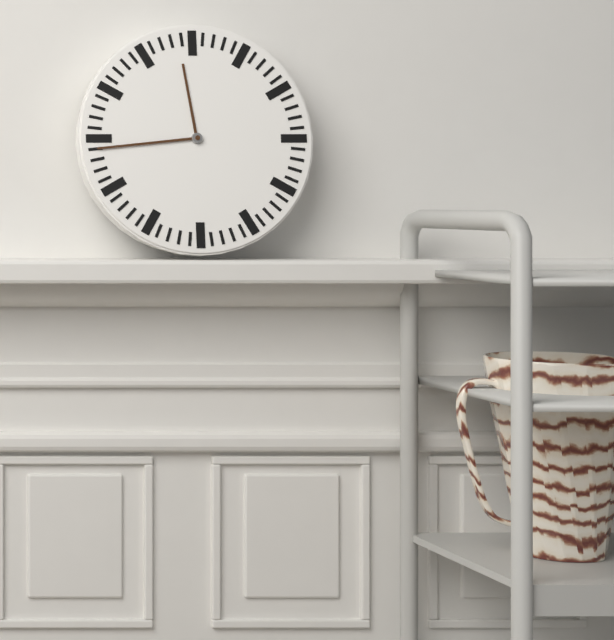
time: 11:44
